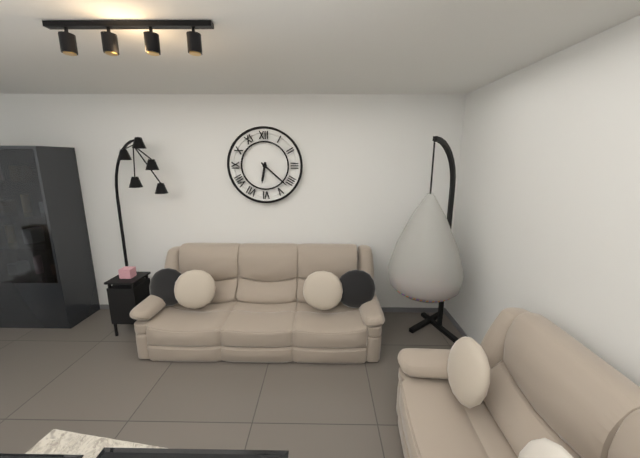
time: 6:22
